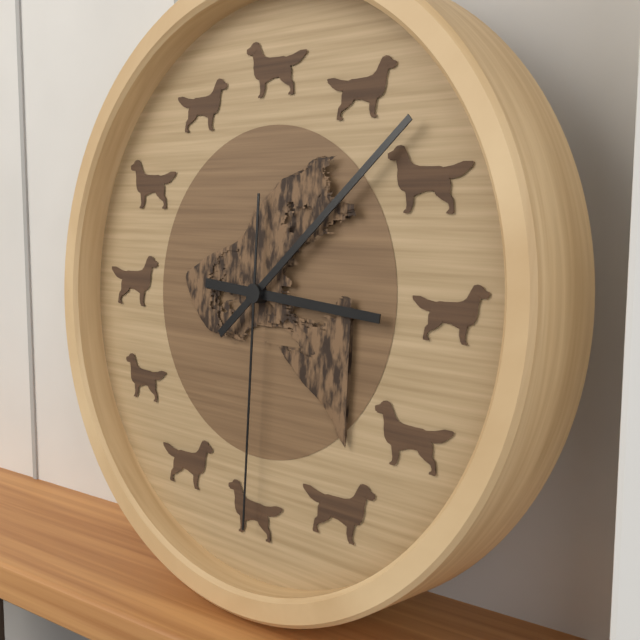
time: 3:08:30
